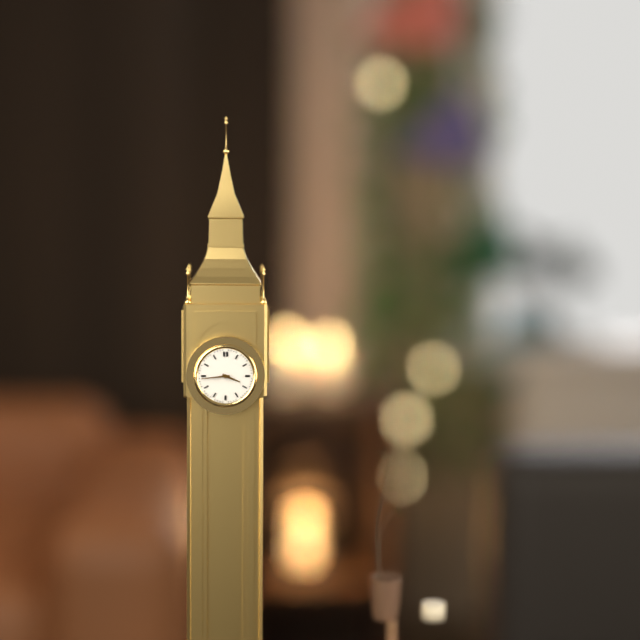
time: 3:44
